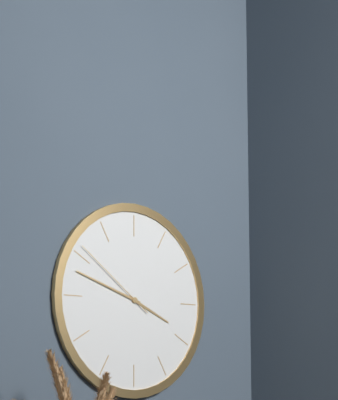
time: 3:48:51
